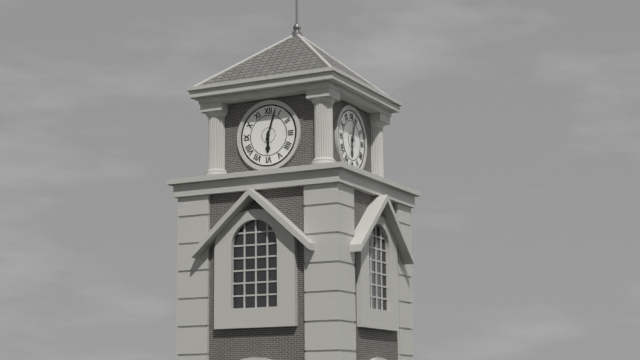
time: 6:03
